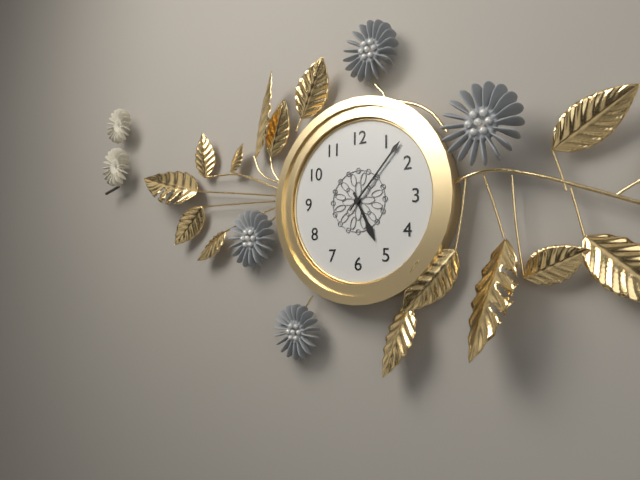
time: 5:07
